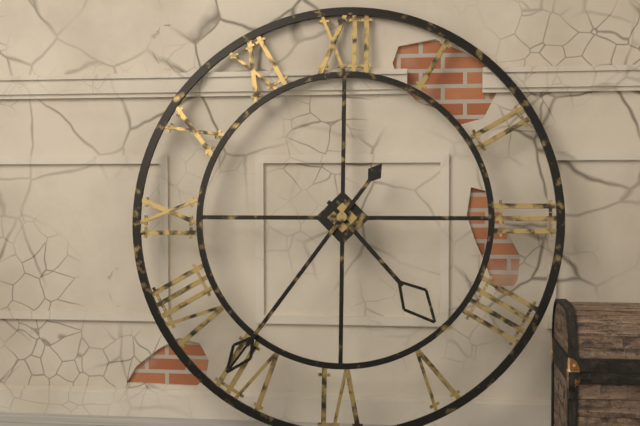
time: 4:36
